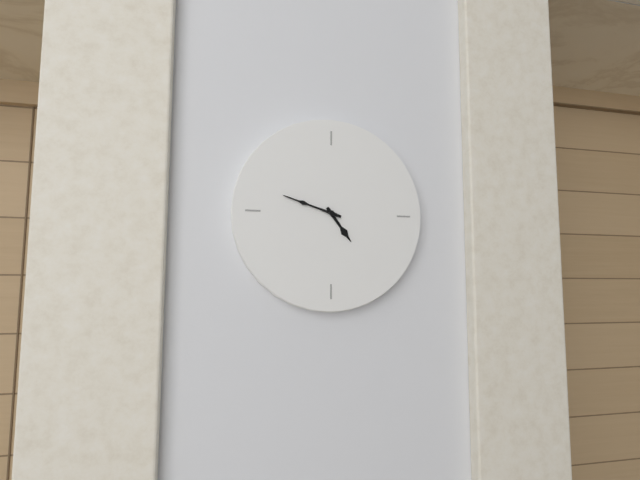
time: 4:48
